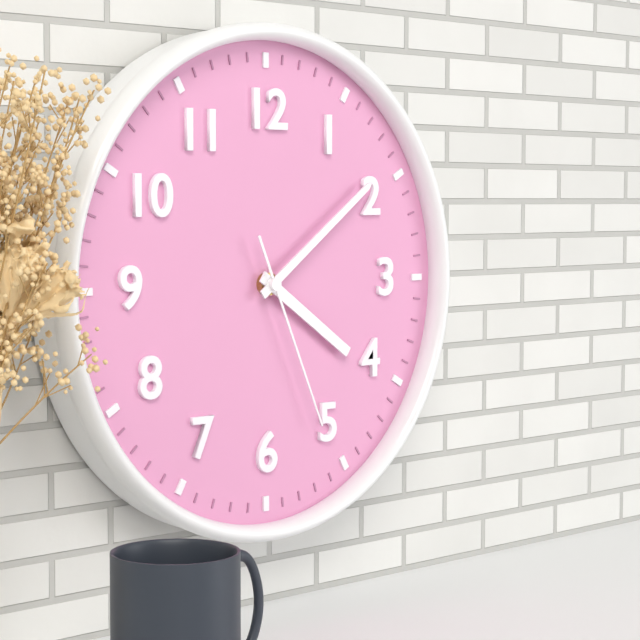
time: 4:09:26
